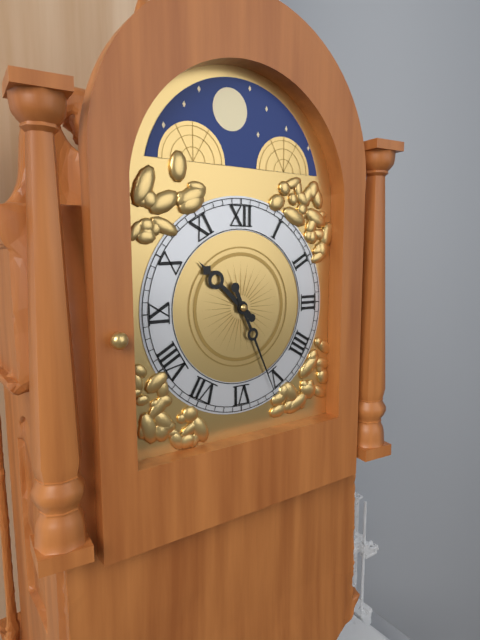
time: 10:26
